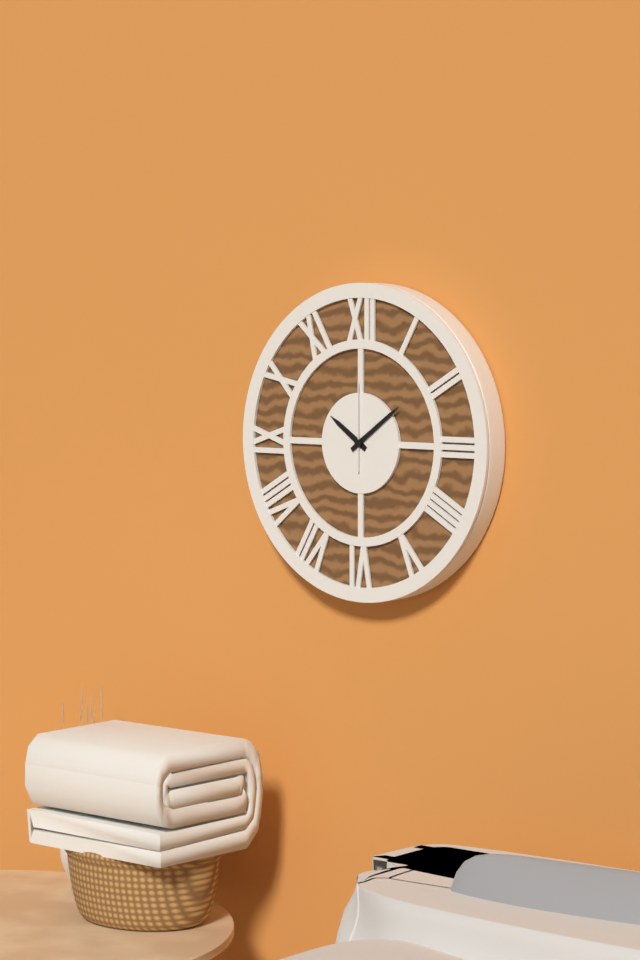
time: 10:09:00
